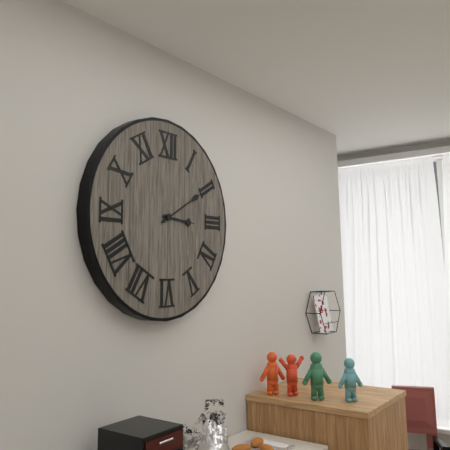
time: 3:10
